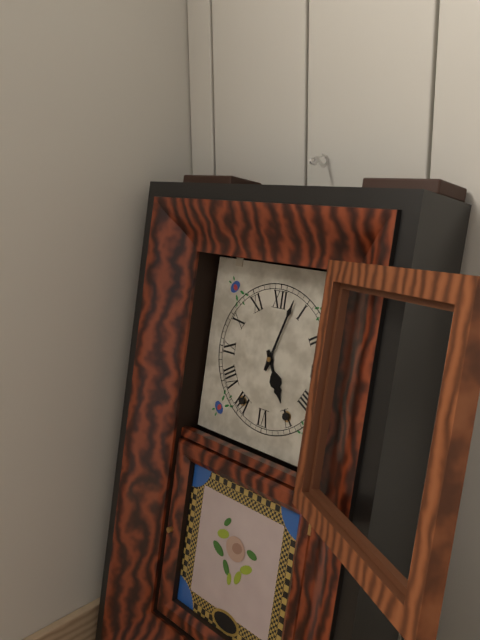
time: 5:03
